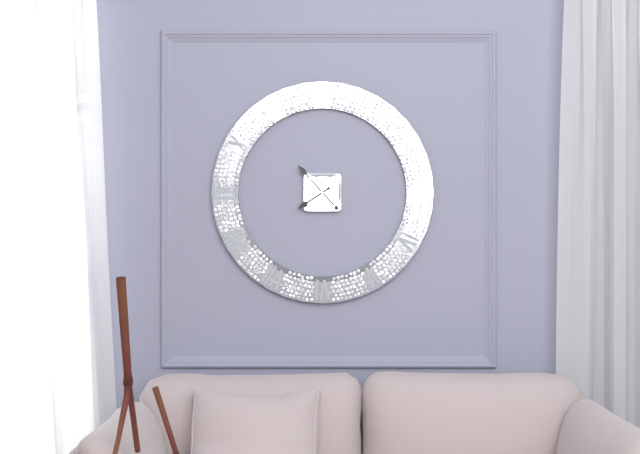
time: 7:53
